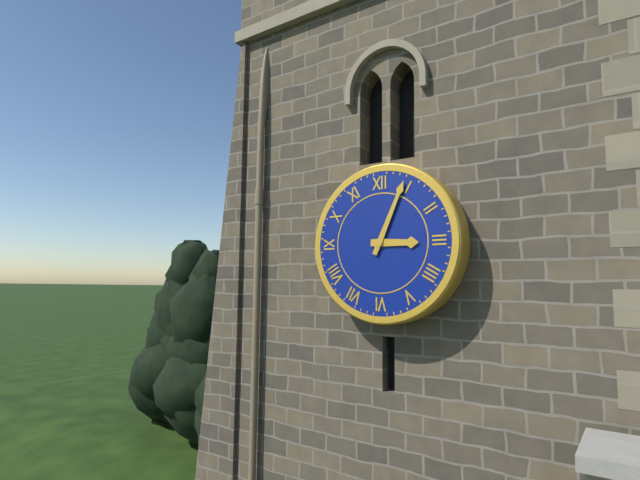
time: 3:04
